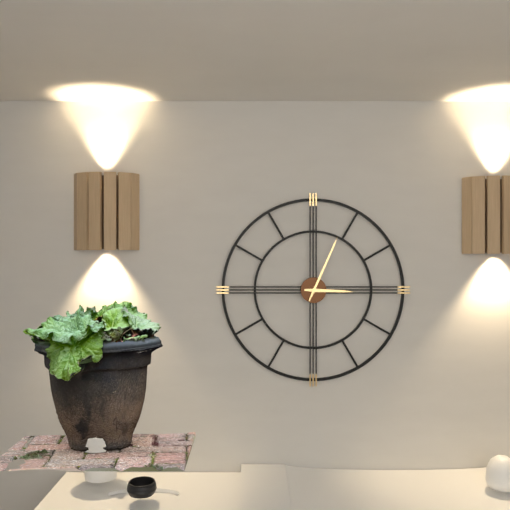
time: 3:04
